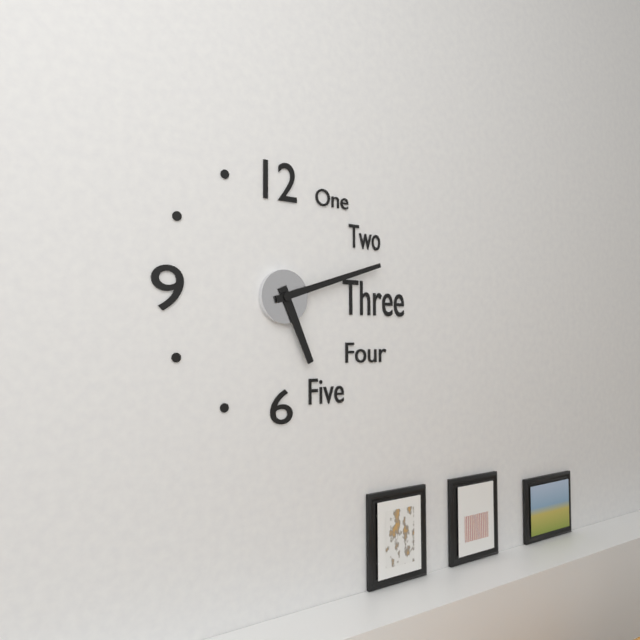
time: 5:12
